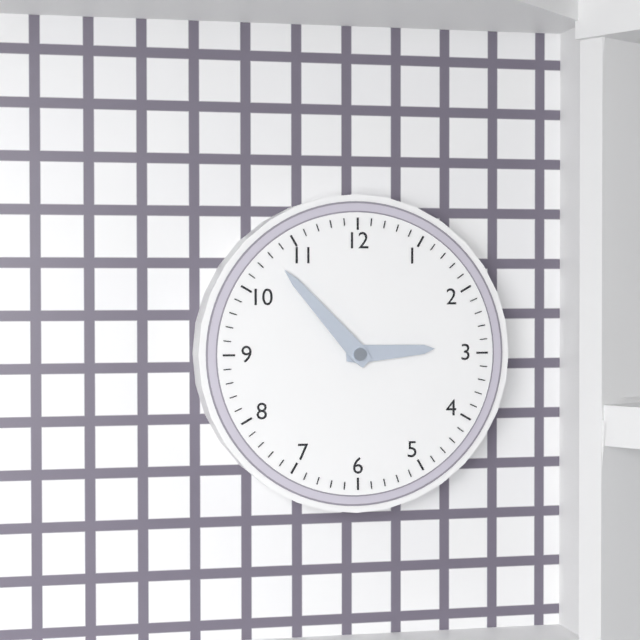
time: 2:53
